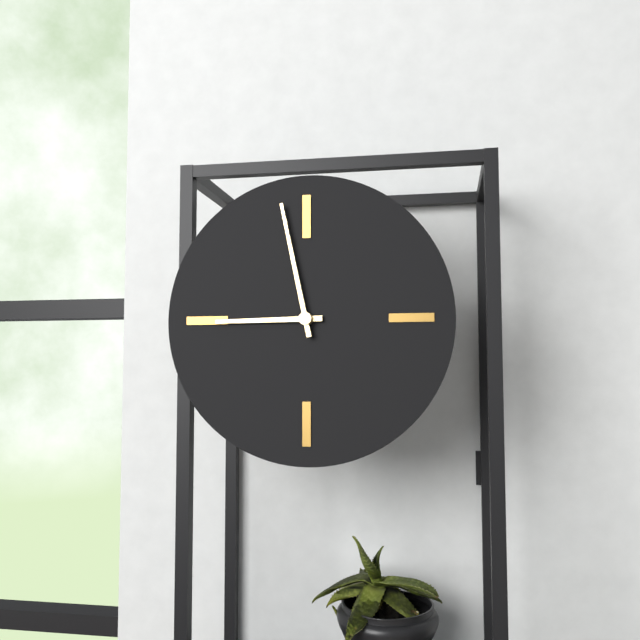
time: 8:58
